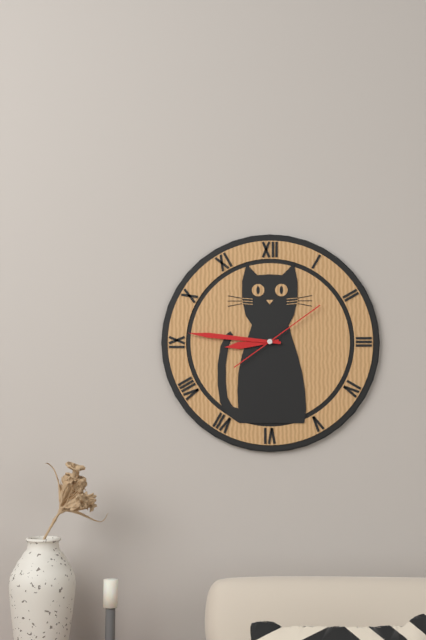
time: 8:46:09
